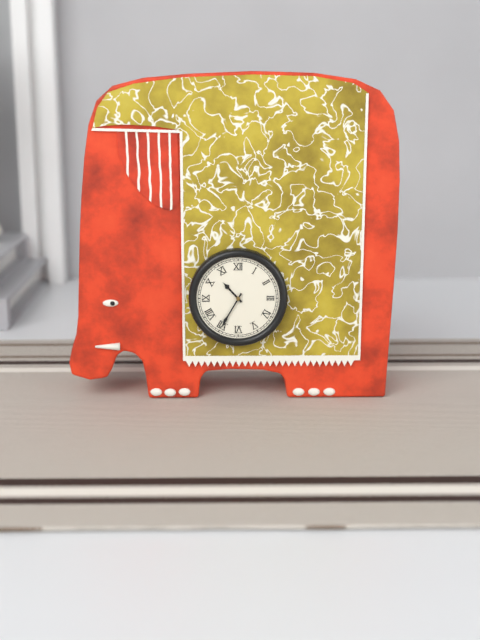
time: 10:35
